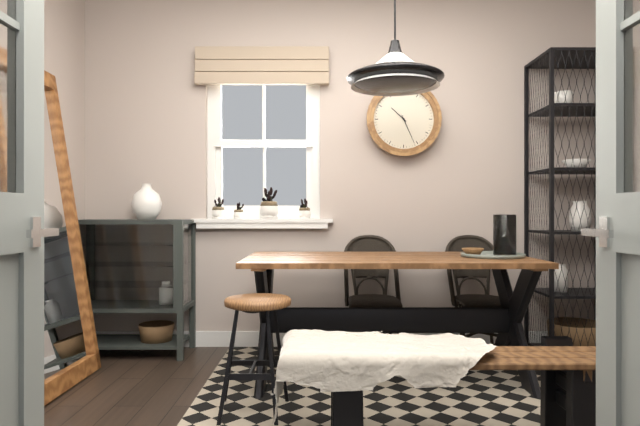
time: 10:26
